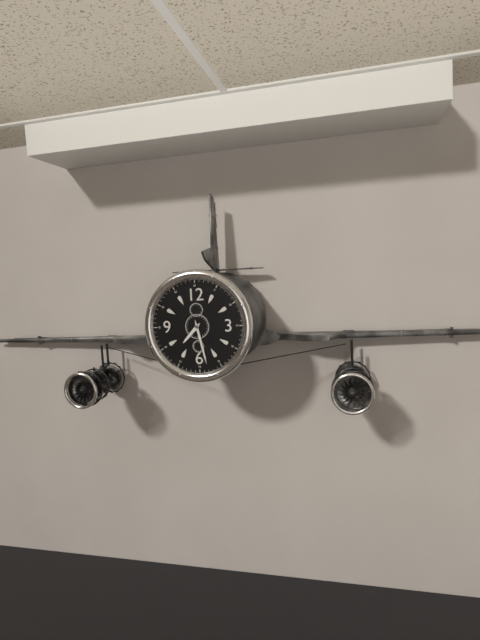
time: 7:28
